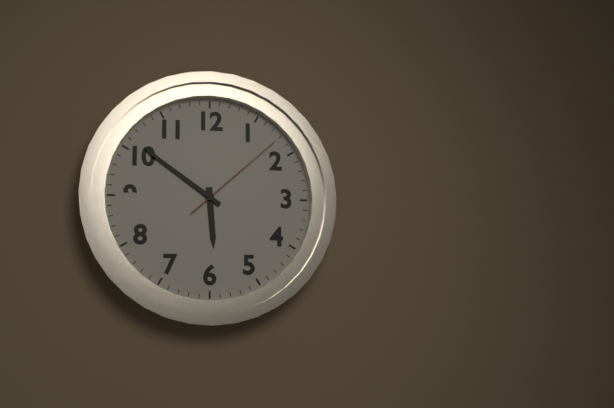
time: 5:51:08
